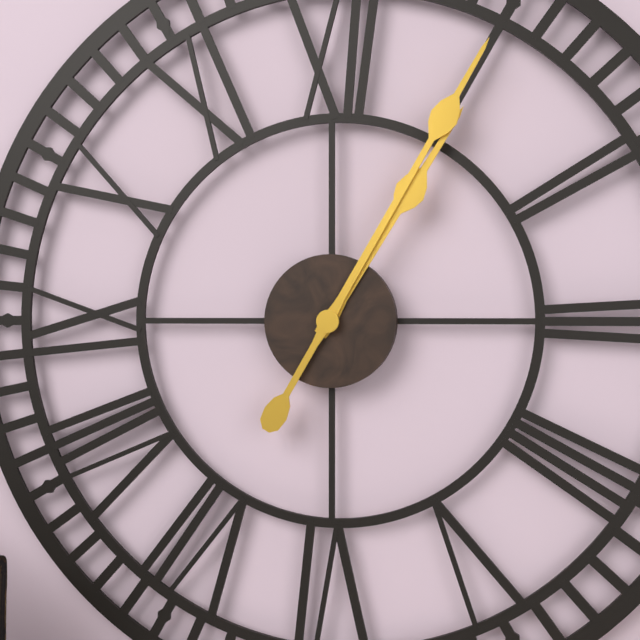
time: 1:05
